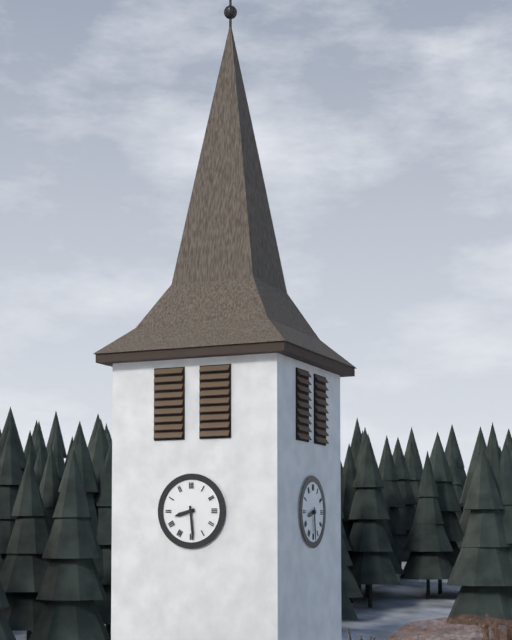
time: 8:29
